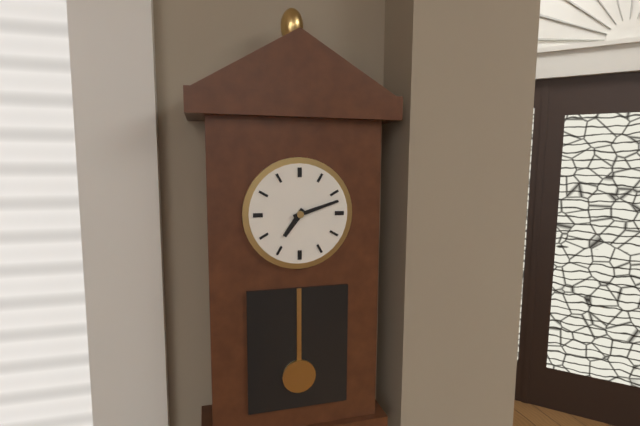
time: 7:12
